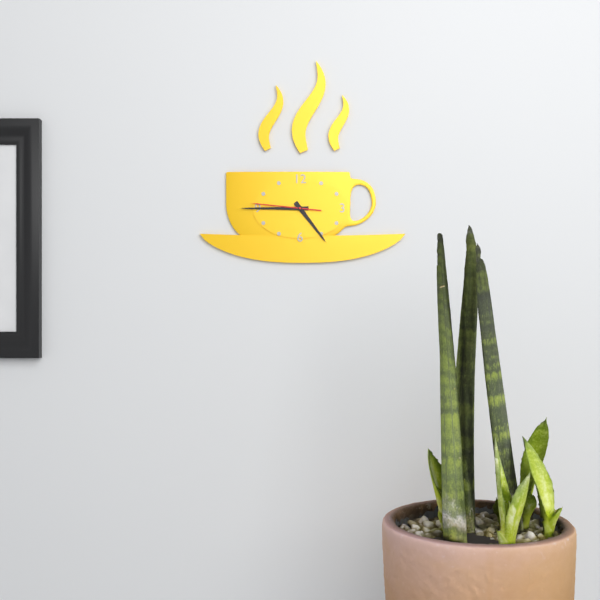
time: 4:45:46
